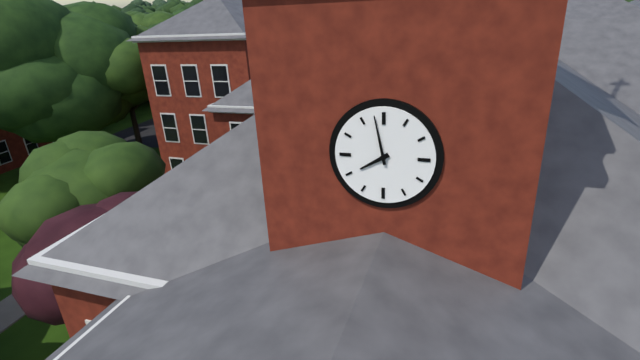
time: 7:58
